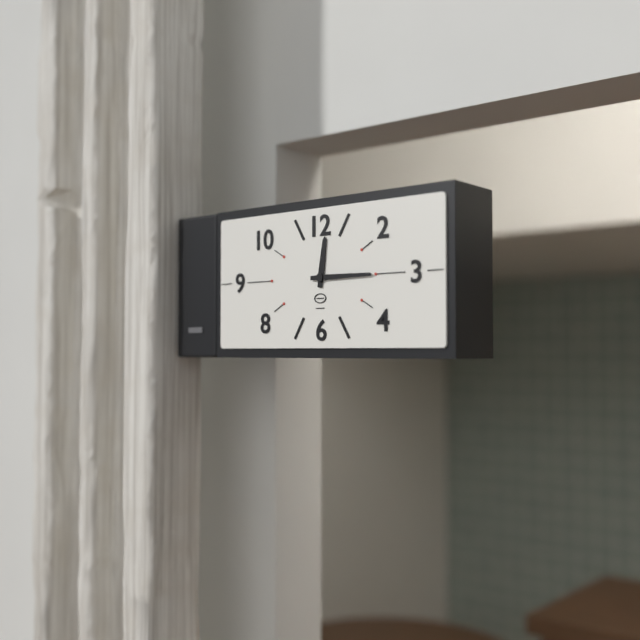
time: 12:15
